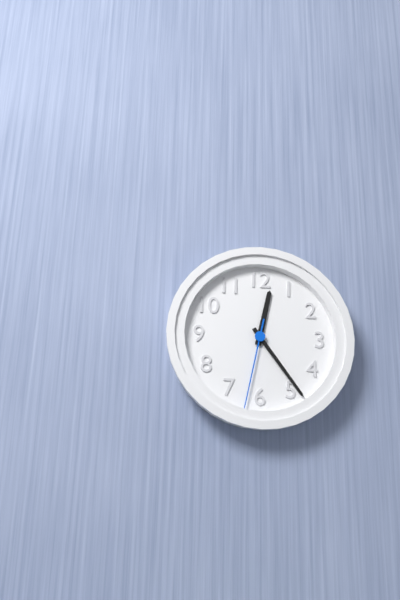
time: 12:24:32
